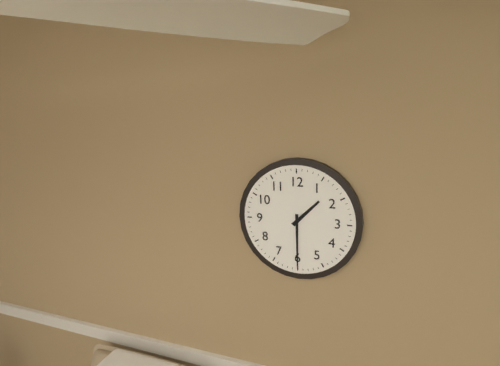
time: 1:30
